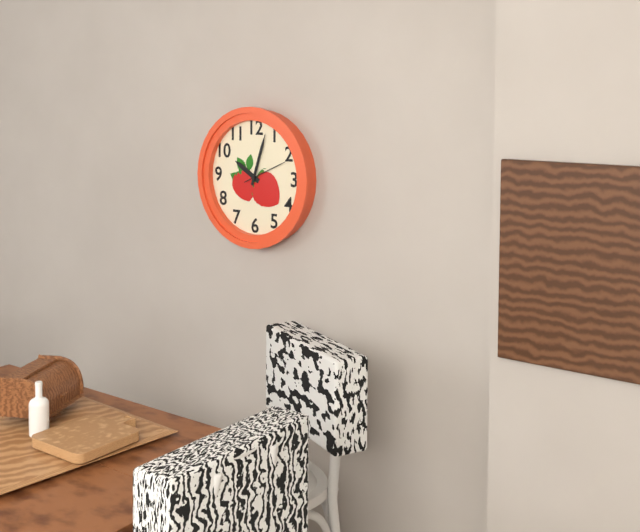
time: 10:03
